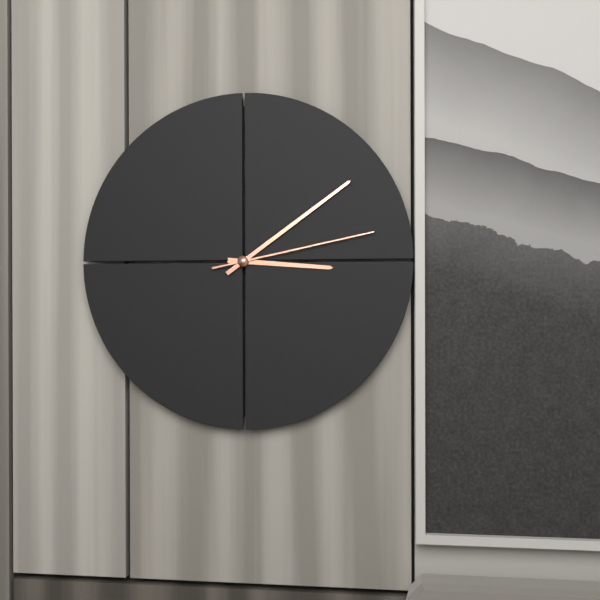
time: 3:09:13
